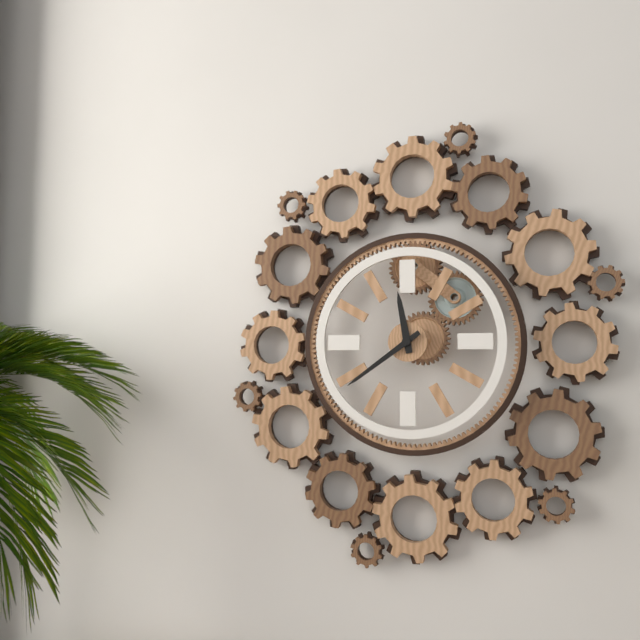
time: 11:39
